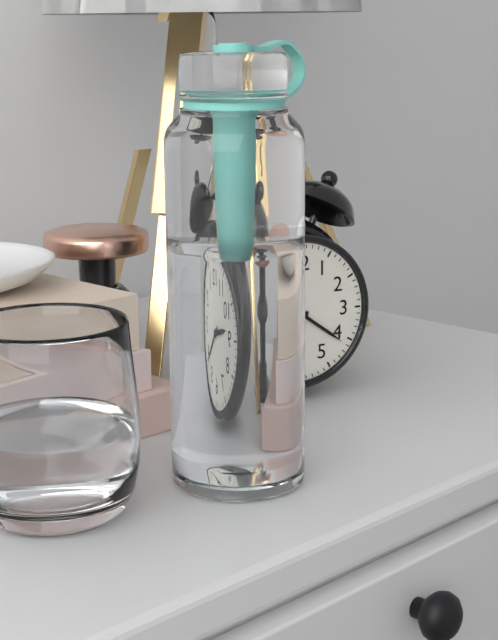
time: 9:21
